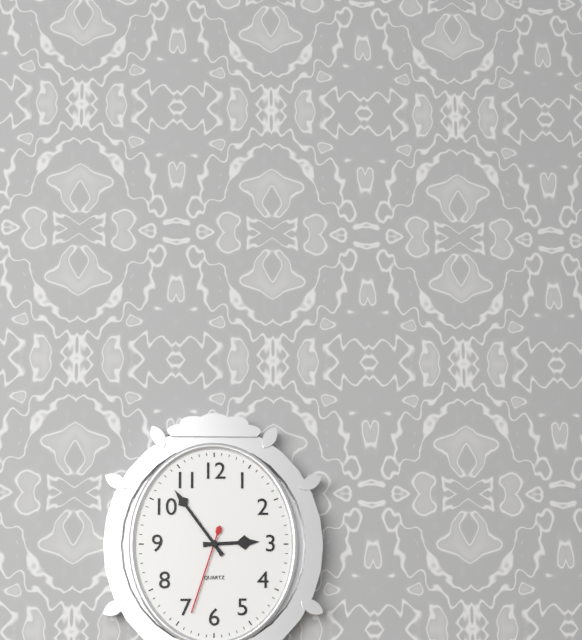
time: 2:54:33
